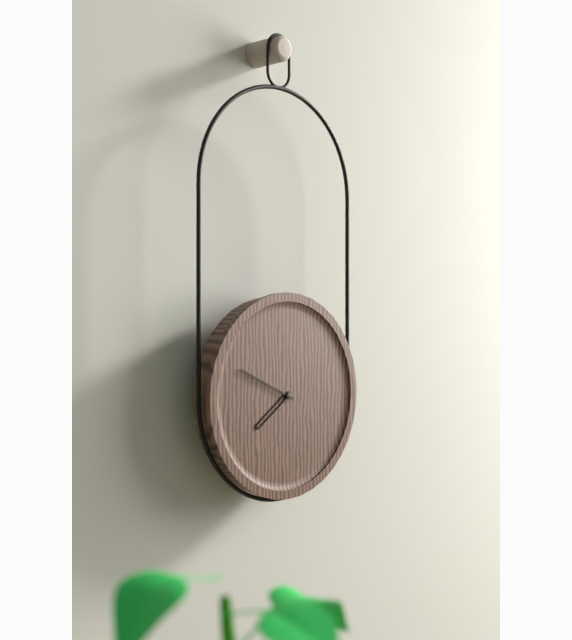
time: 7:49
